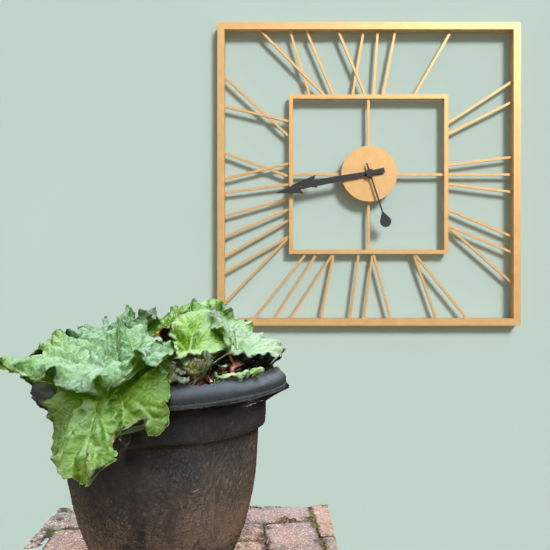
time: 8:43:27
